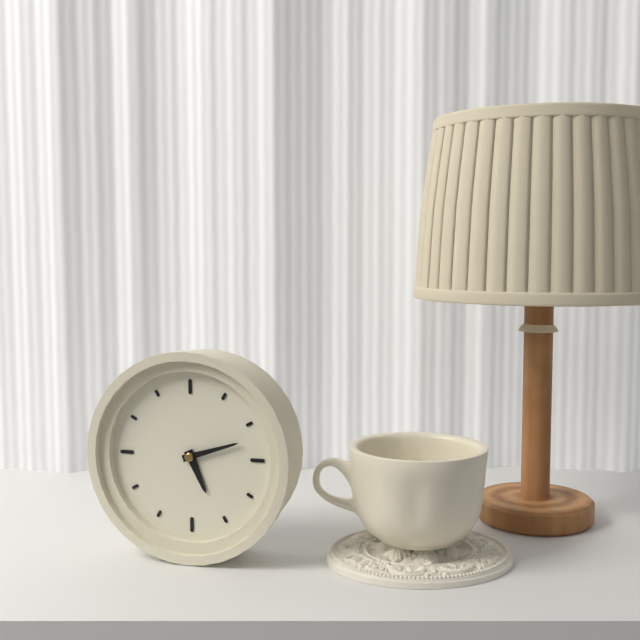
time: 5:12
